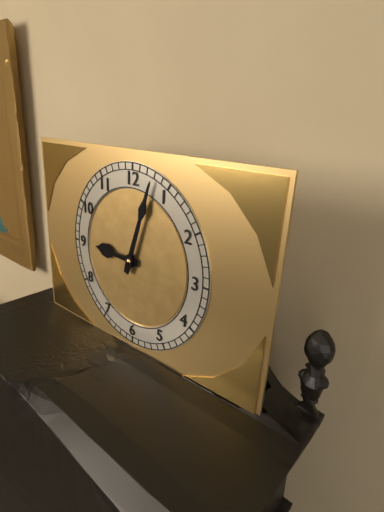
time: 9:03
